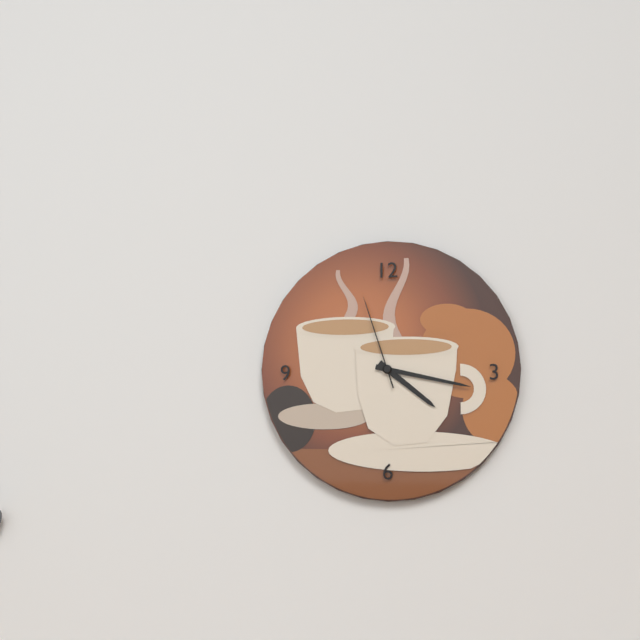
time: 4:17:57
